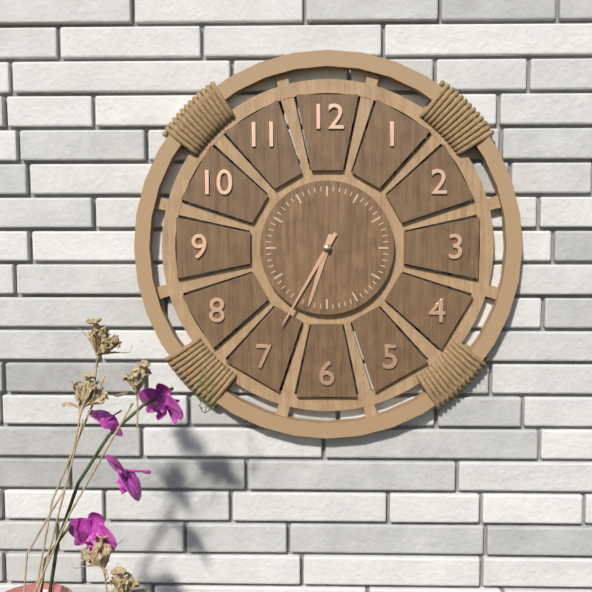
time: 6:35
